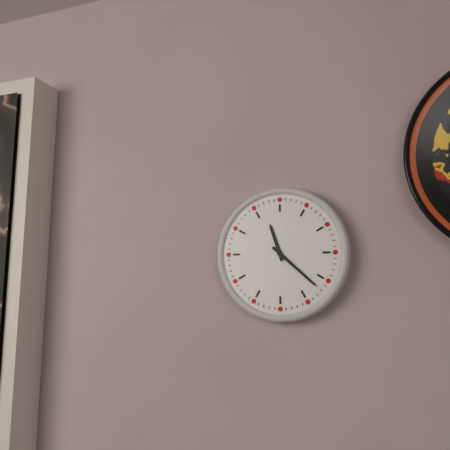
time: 11:22
